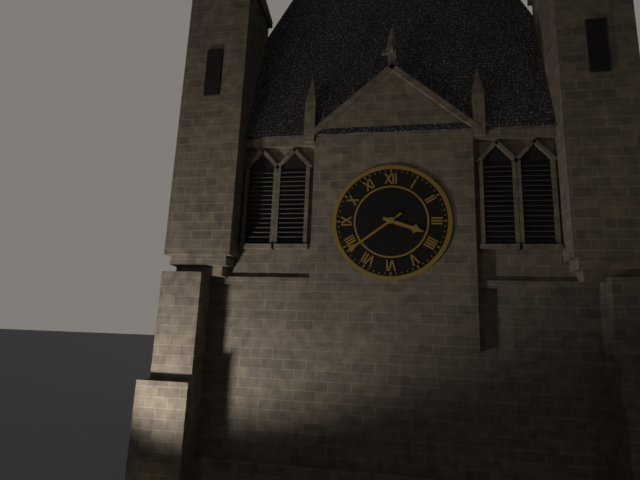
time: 3:39
